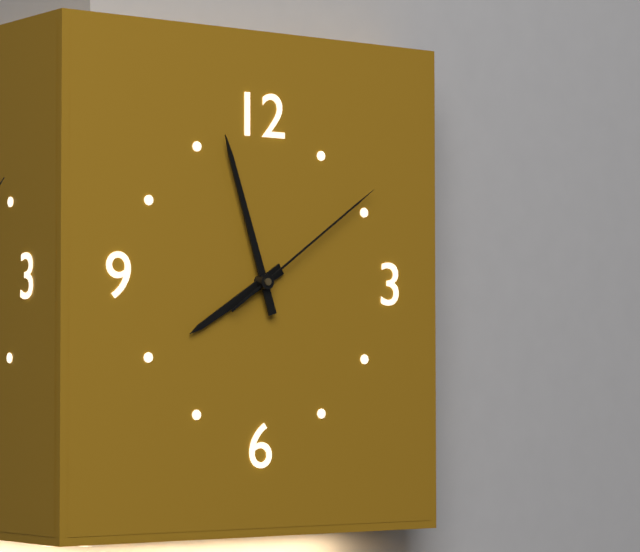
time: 7:57:09
